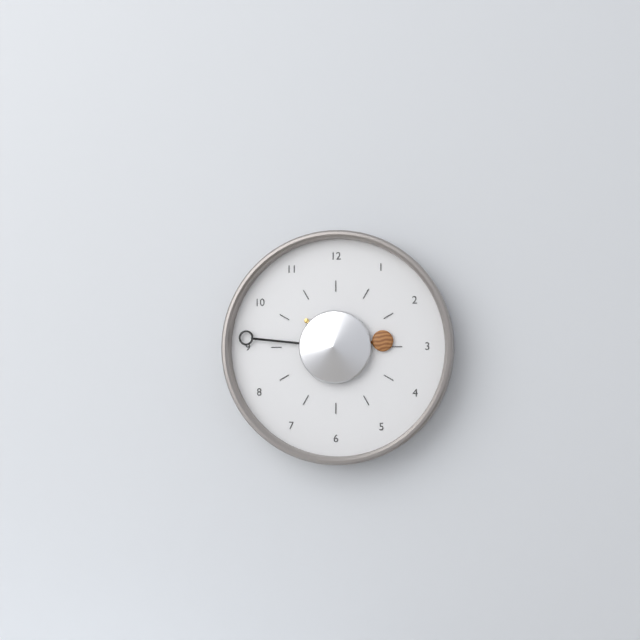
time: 2:46
